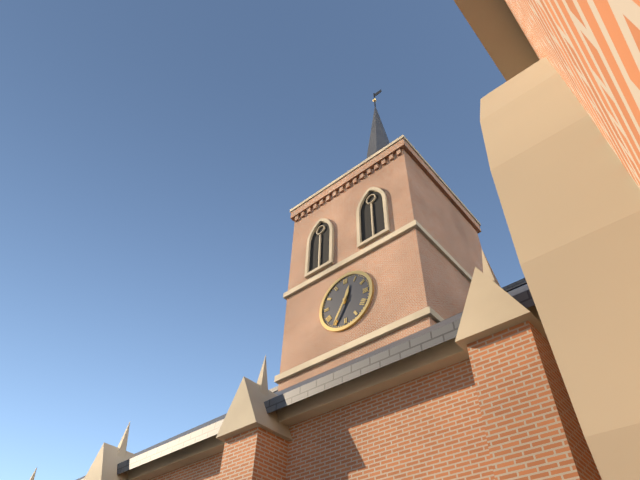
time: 12:35
